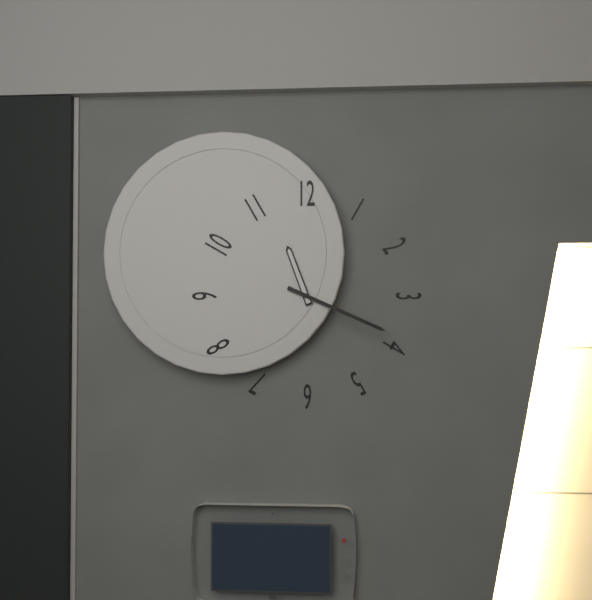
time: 11:19
